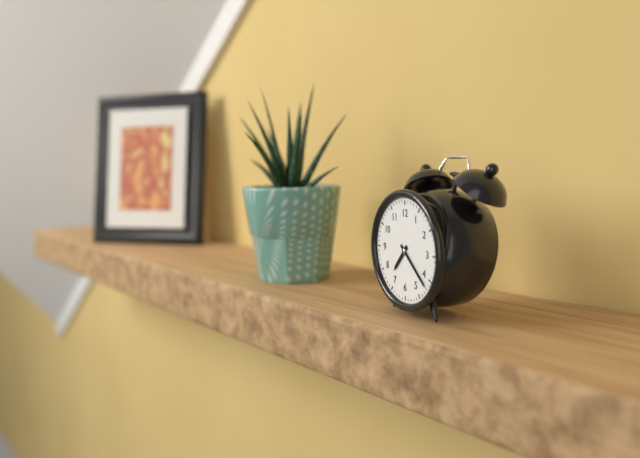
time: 7:22
